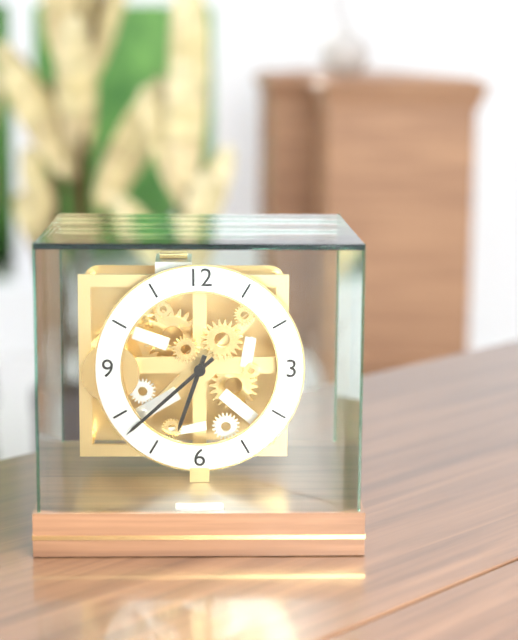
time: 6:38
